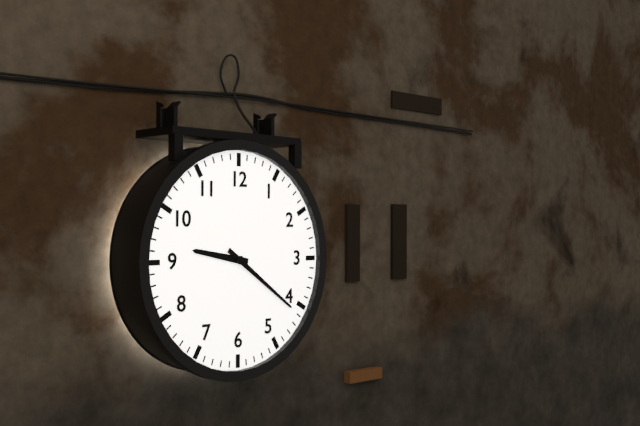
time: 9:21
